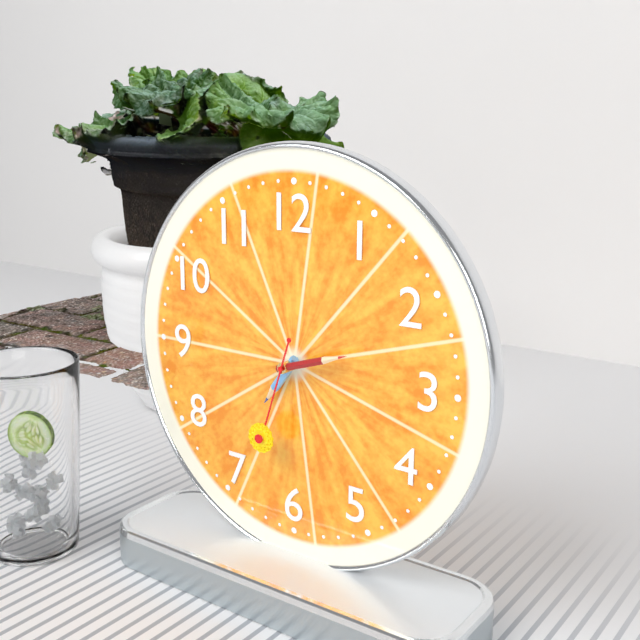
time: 7:12:33
